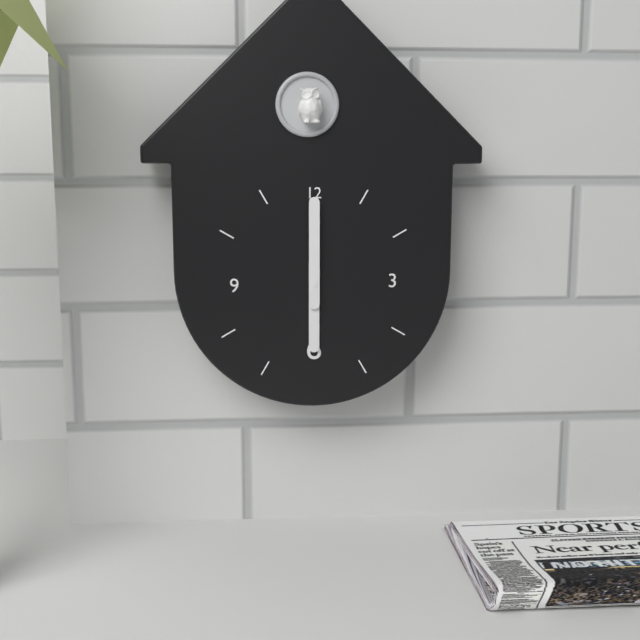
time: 6:00
